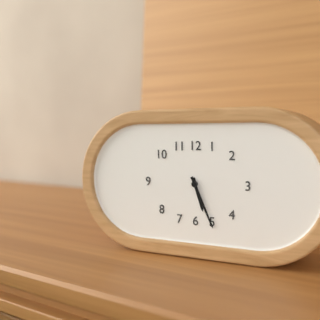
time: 5:26
